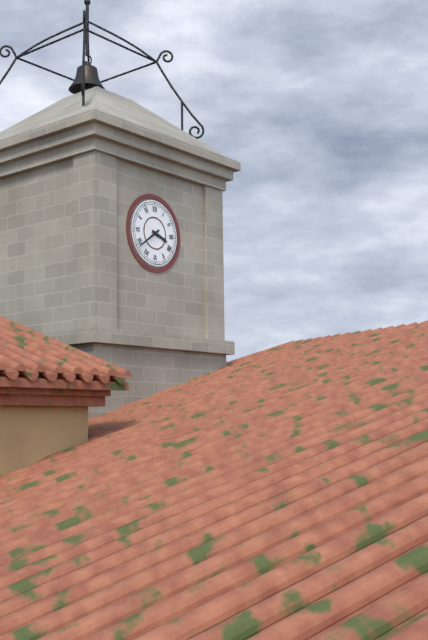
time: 3:39
